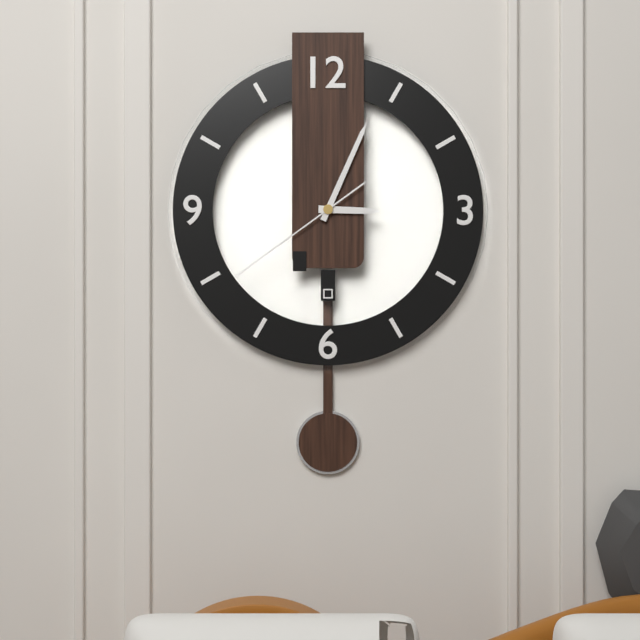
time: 3:04:39
